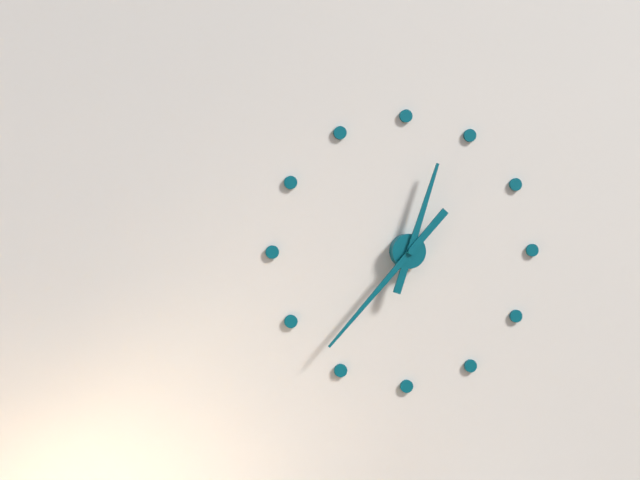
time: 12:37
